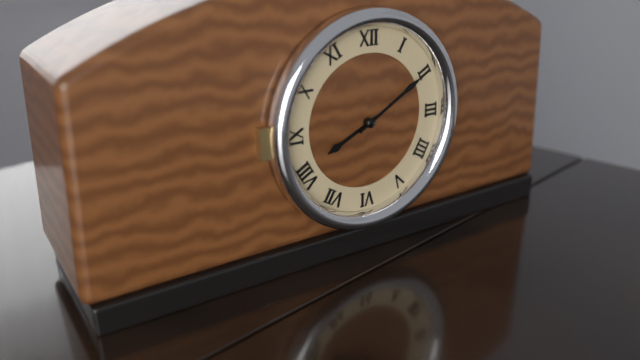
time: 8:10
